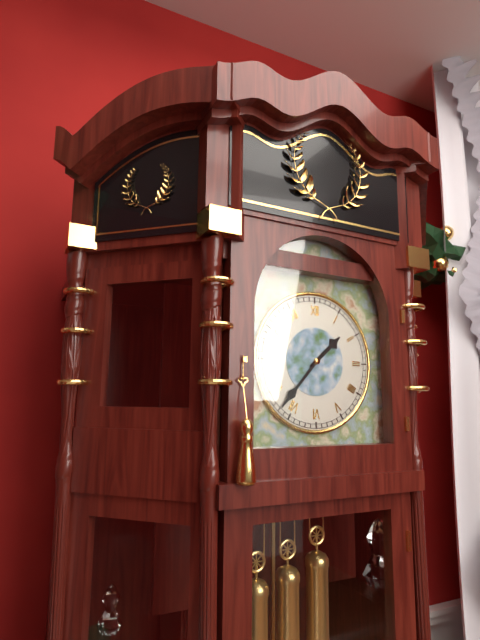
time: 1:37
